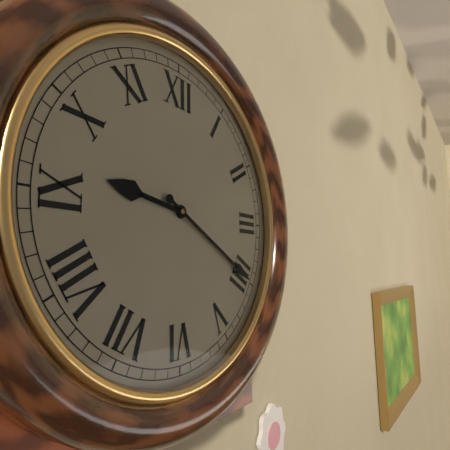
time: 9:20
